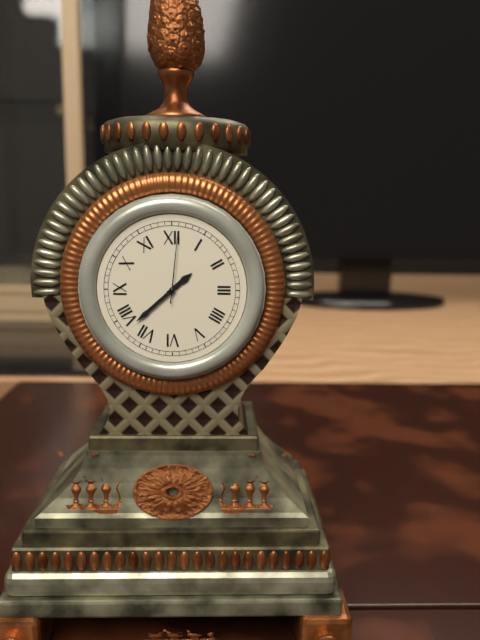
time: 1:38:01
